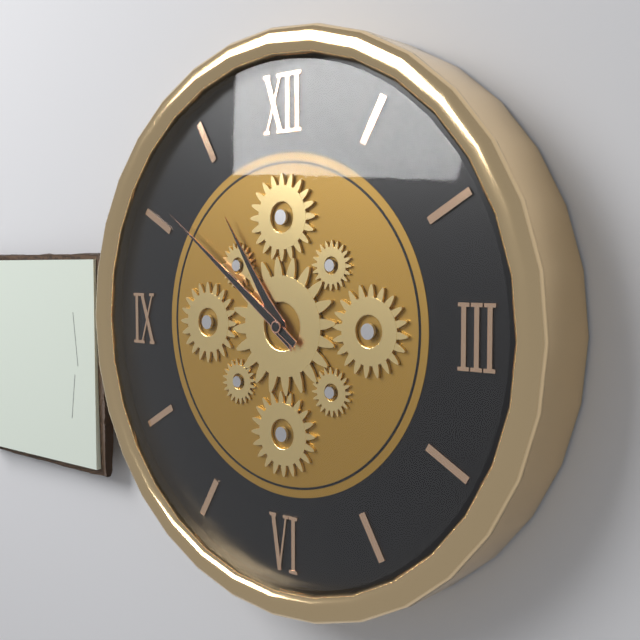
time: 10:51
